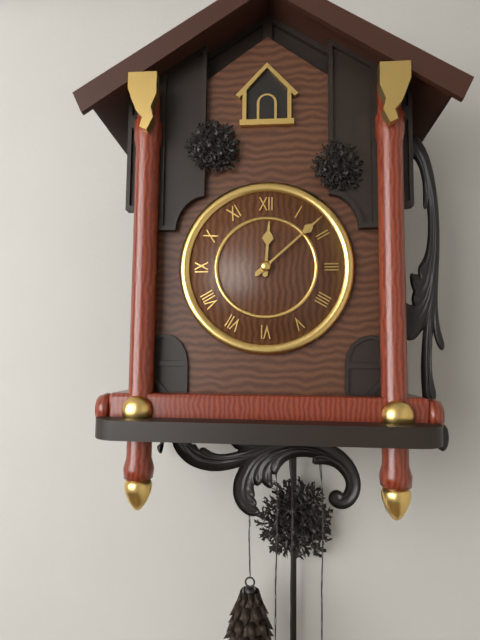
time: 12:08
